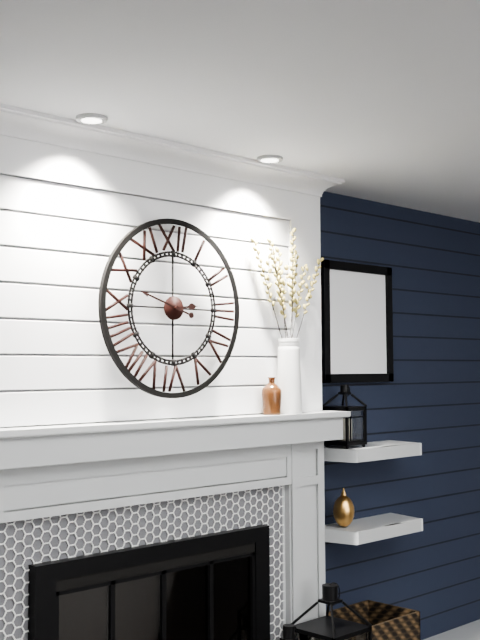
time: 2:48
